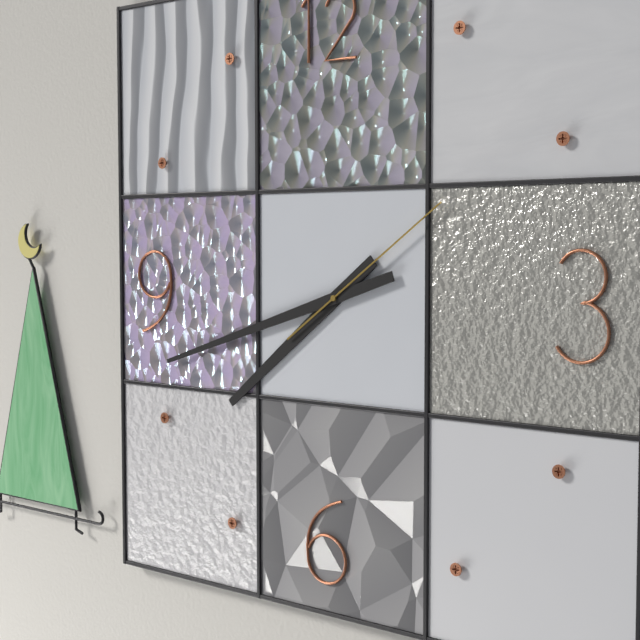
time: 7:42:09
